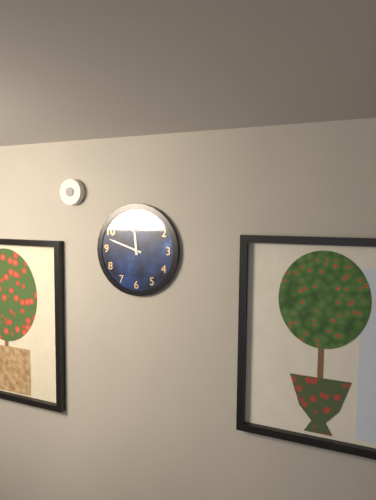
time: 11:48
